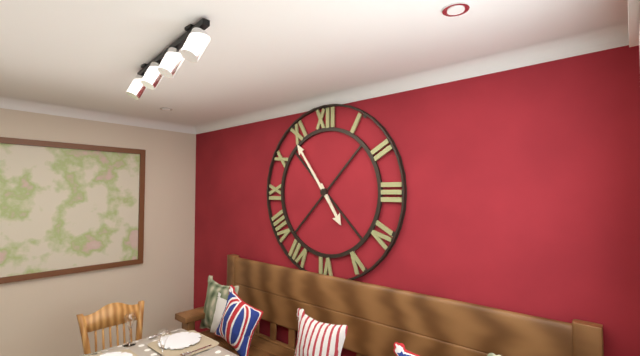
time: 4:54
